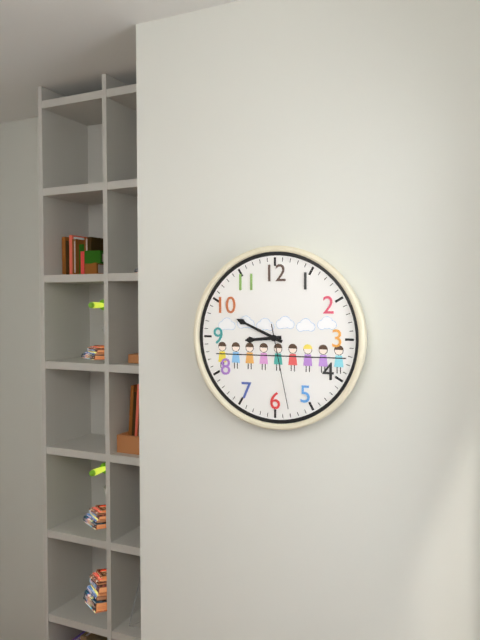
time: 8:49:28
